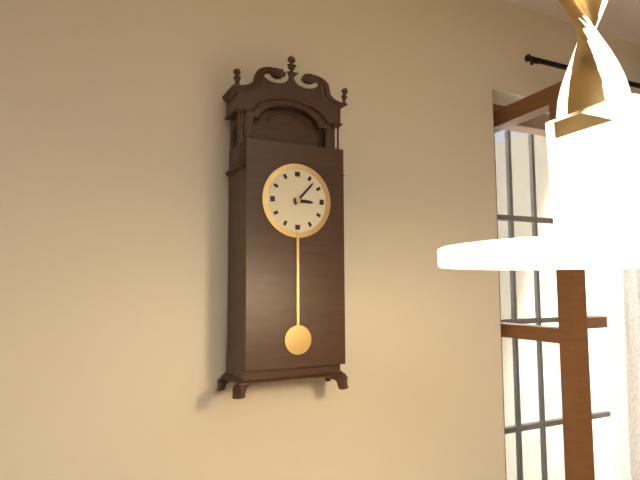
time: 3:07
